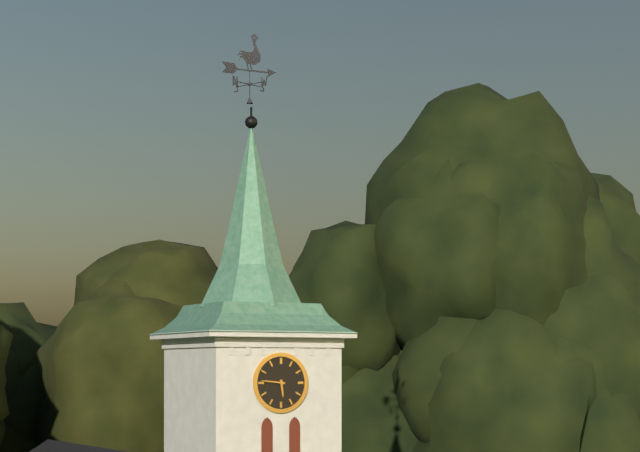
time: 5:46
